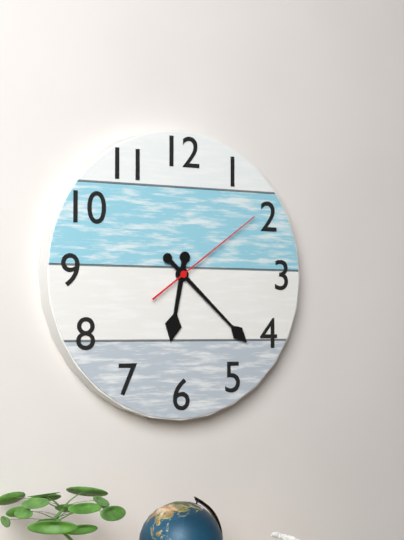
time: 6:22:09
